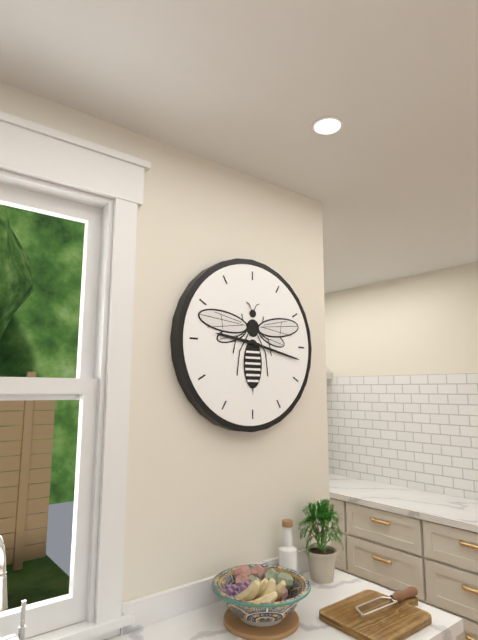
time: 9:17
